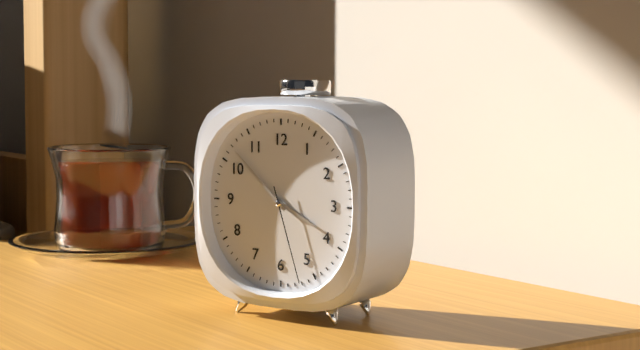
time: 3:52:27
